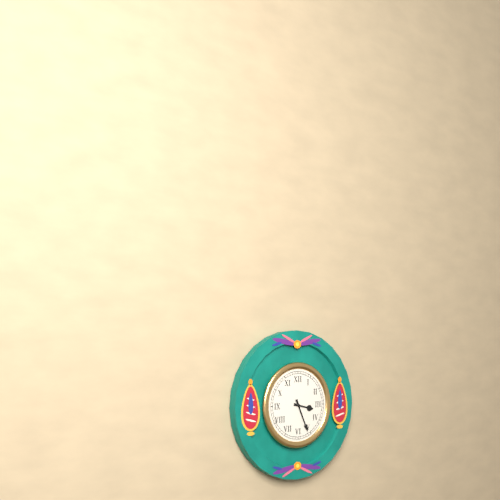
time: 3:26
